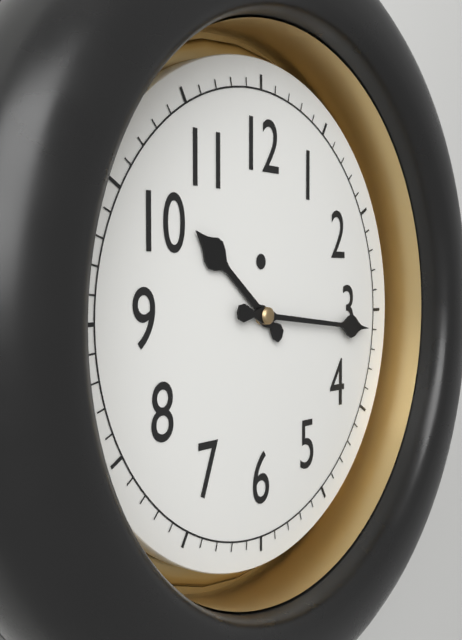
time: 10:16
